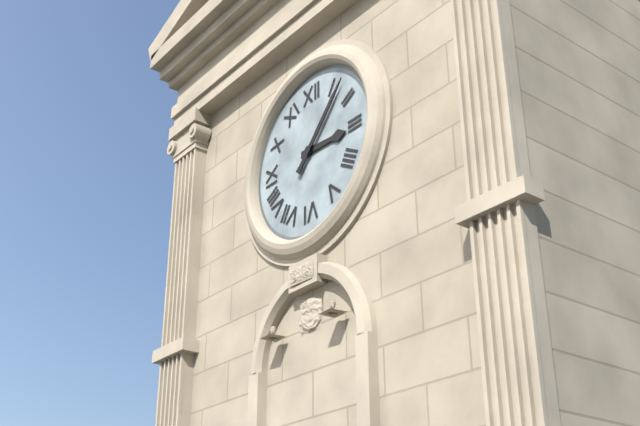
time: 3:07
